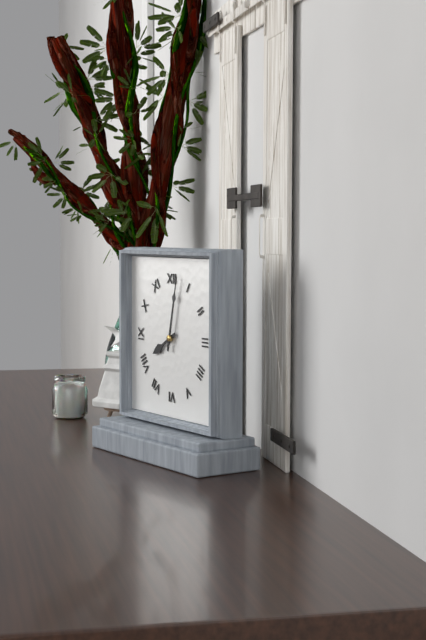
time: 8:02
